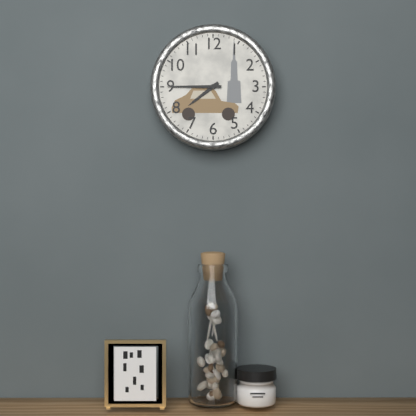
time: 7:45
